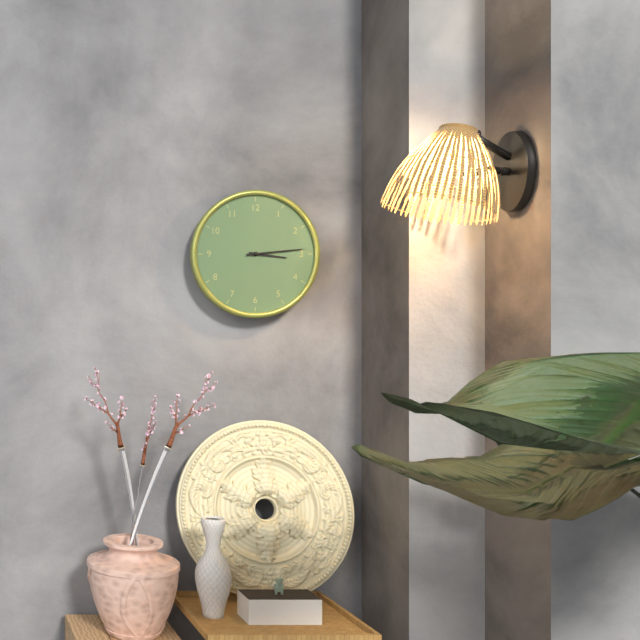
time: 3:14
